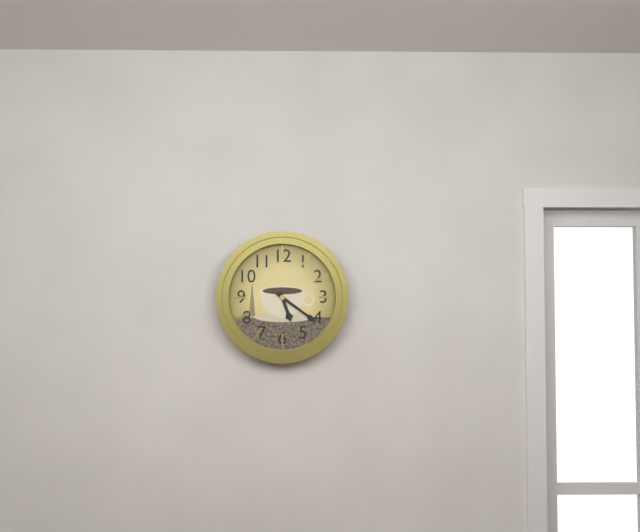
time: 5:21
